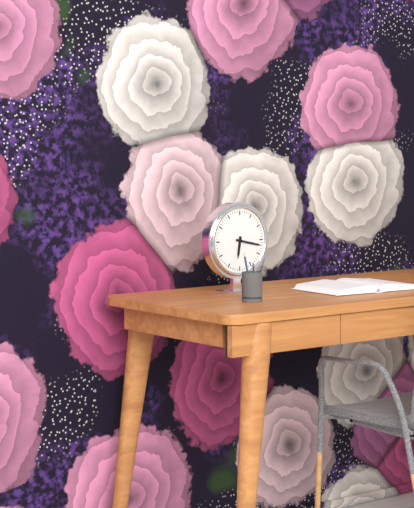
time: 6:17
